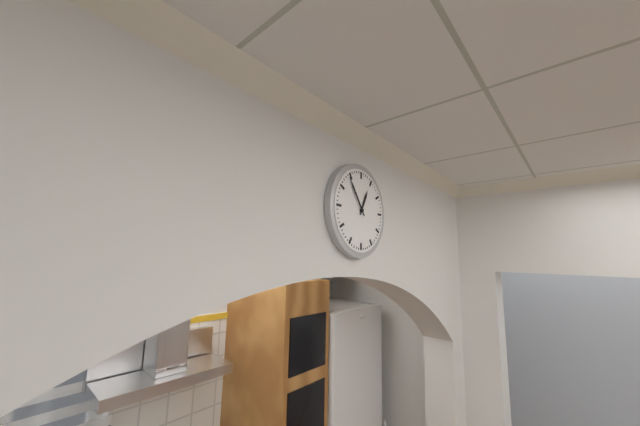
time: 12:54
